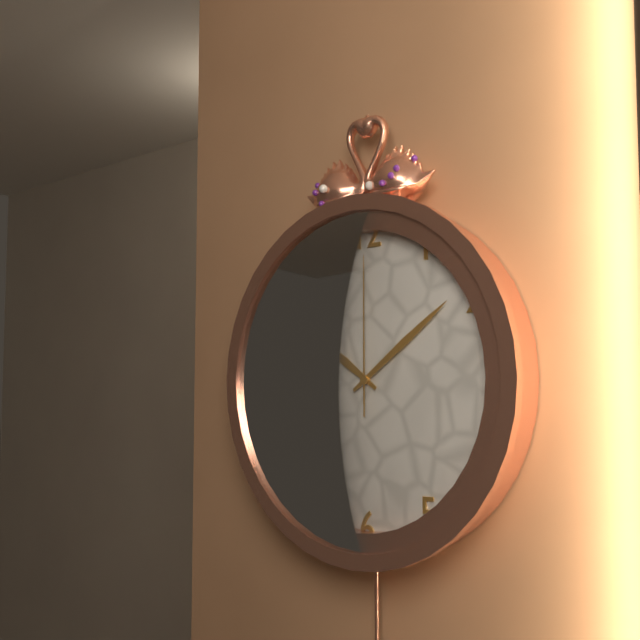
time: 10:09:00
